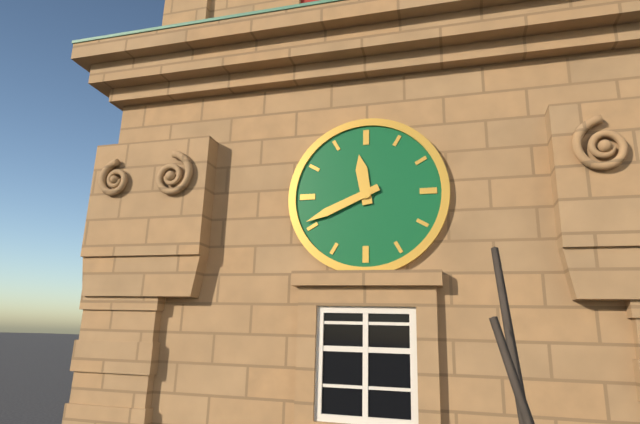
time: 11:41
